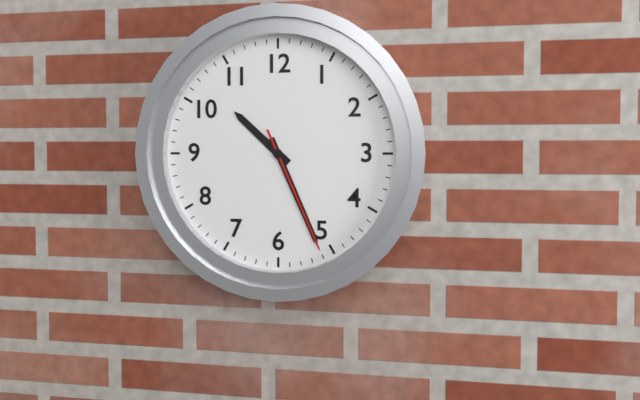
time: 10:26:26
